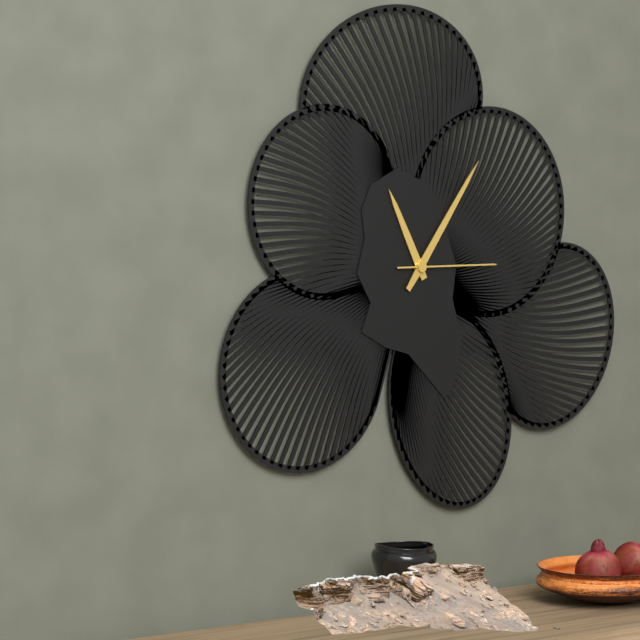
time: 11:06:15
